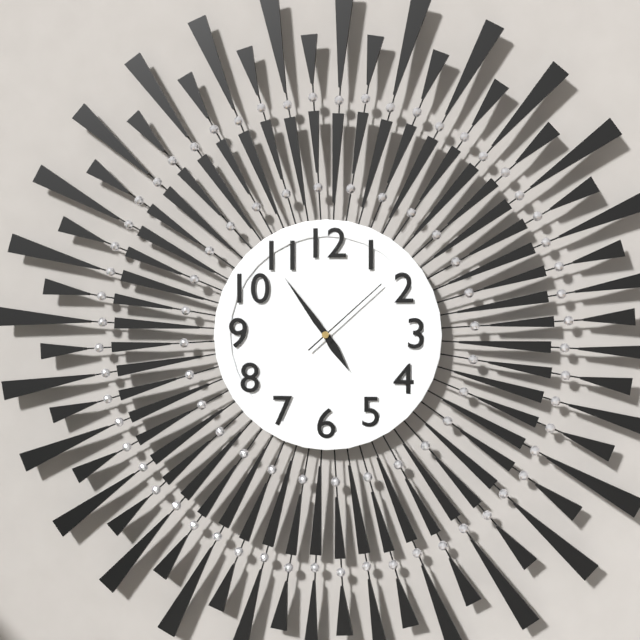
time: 4:54:08
